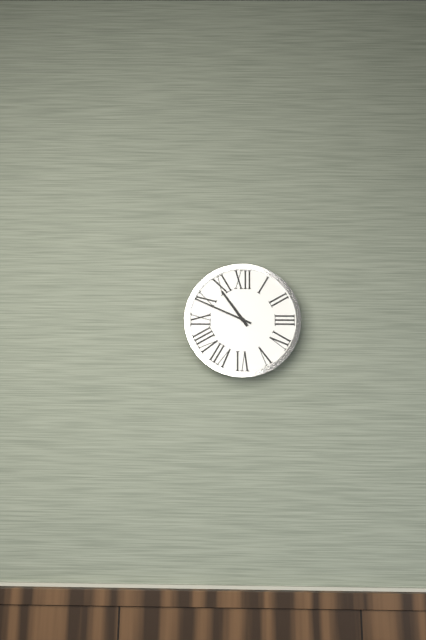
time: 10:49
